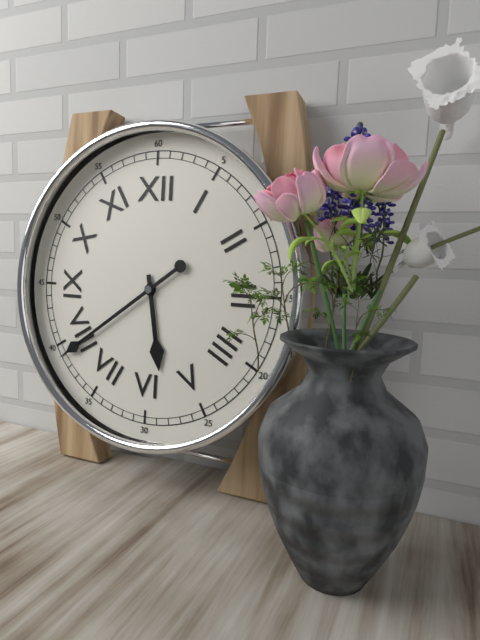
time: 5:39
